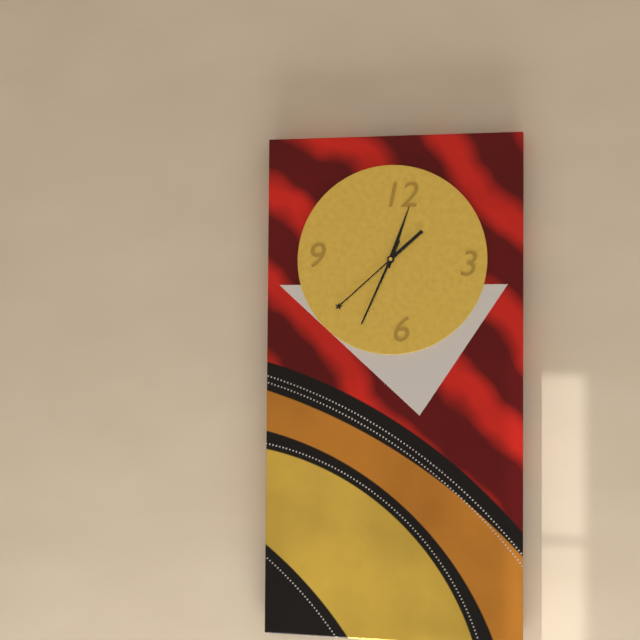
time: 12:38:34
